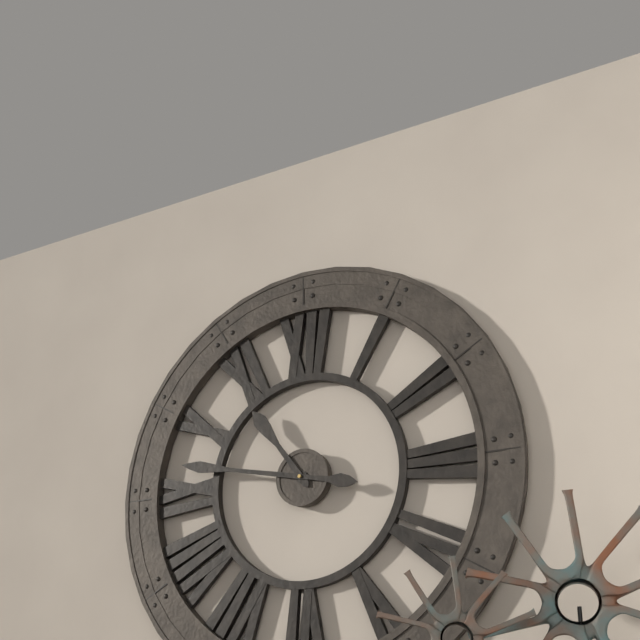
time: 10:47
